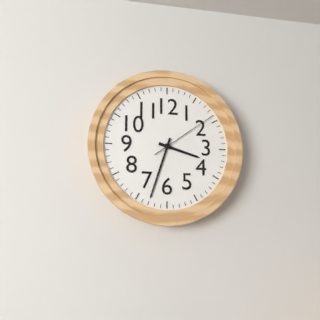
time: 3:33:09
